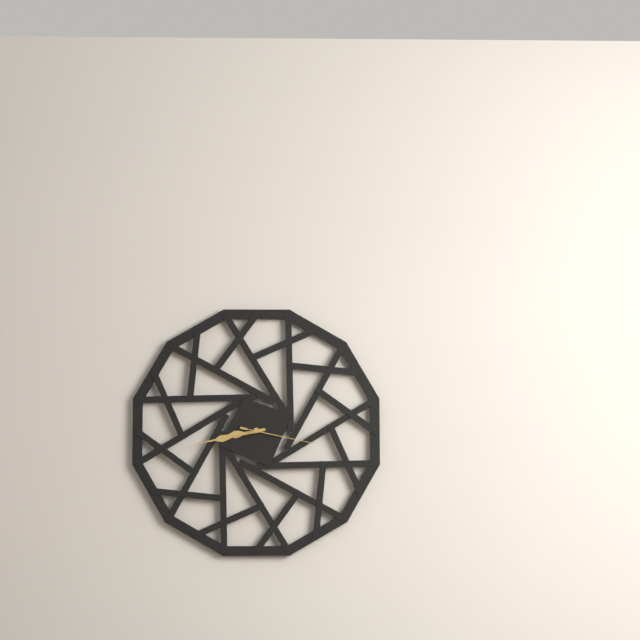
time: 8:43:17
